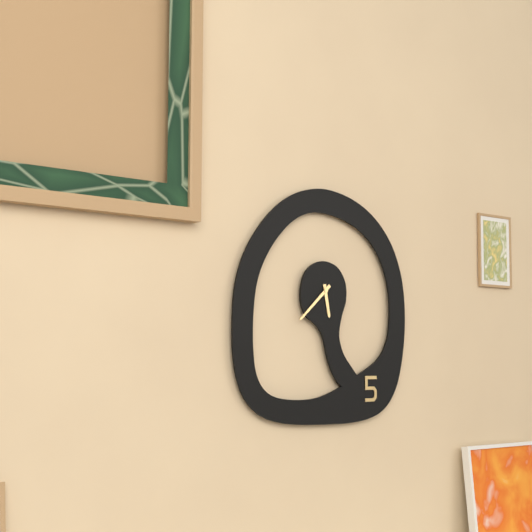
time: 5:38
